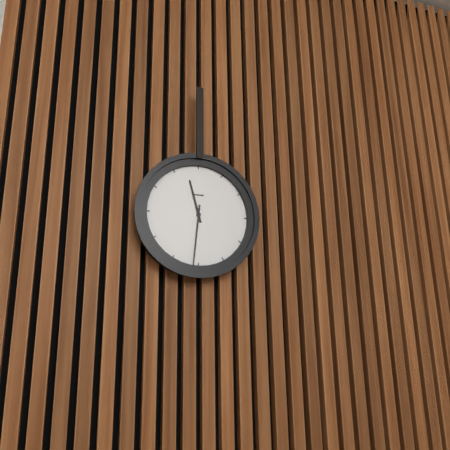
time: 11:31
